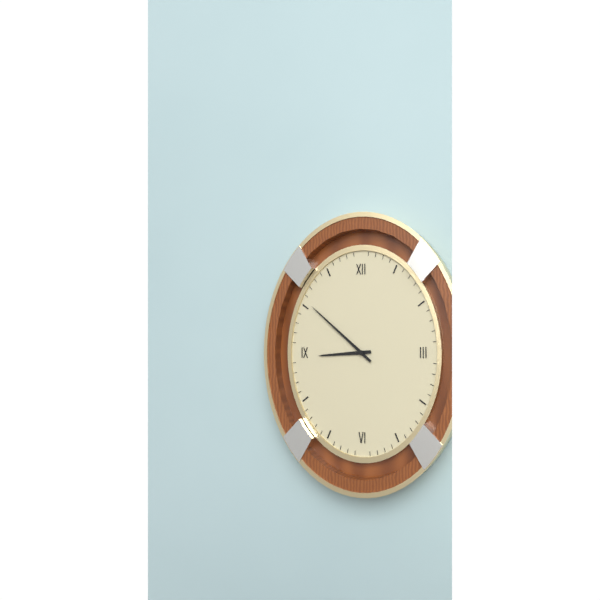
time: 8:52
